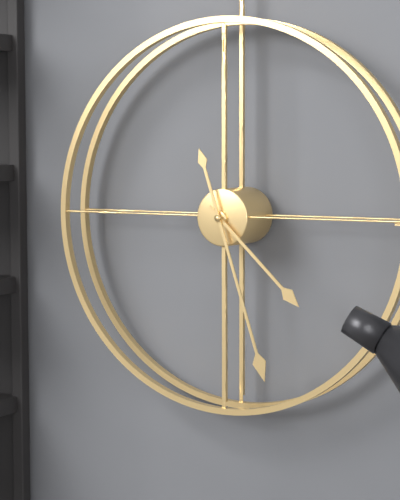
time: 4:27
